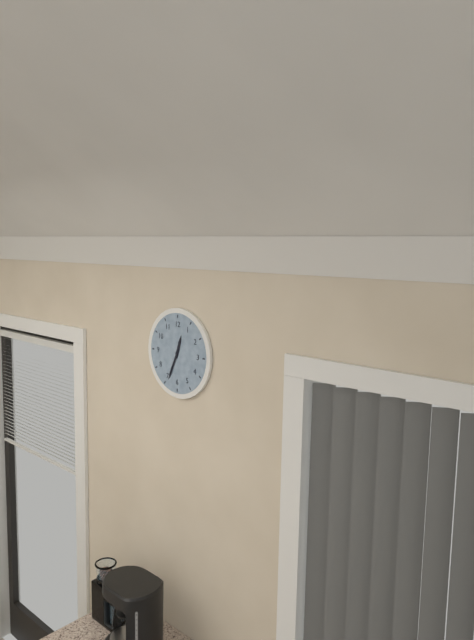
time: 12:34
